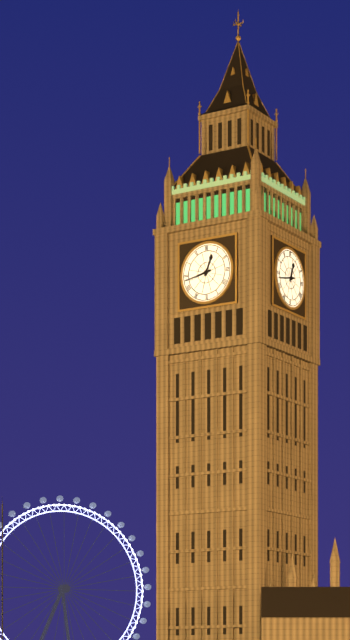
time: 12:43
